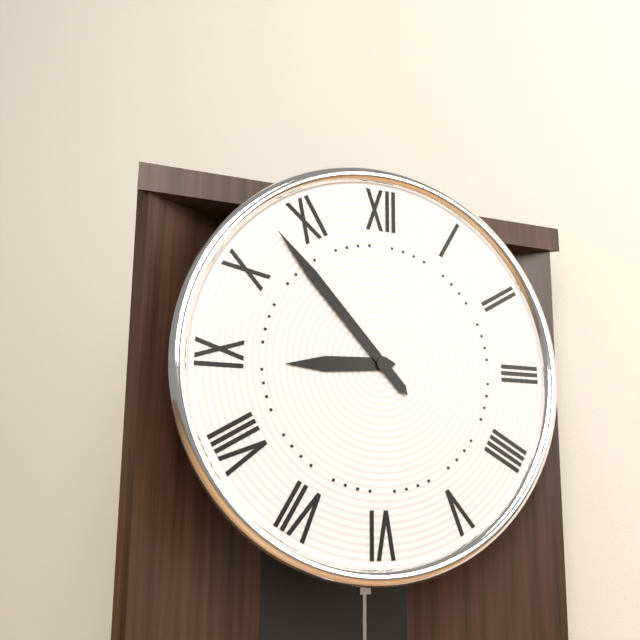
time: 8:53
